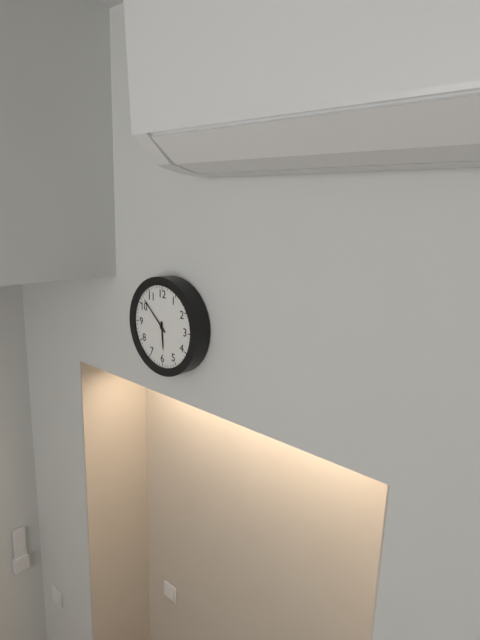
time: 5:52
